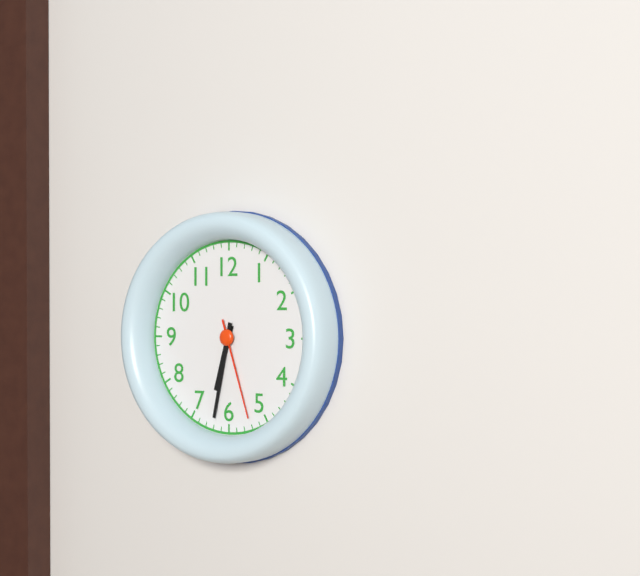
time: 6:32:27
